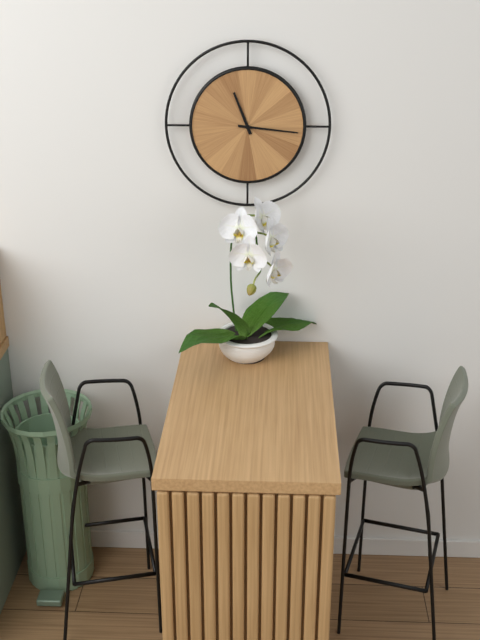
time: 11:16
